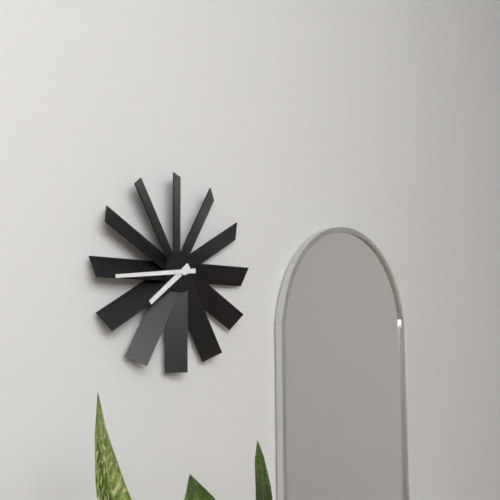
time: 7:44
